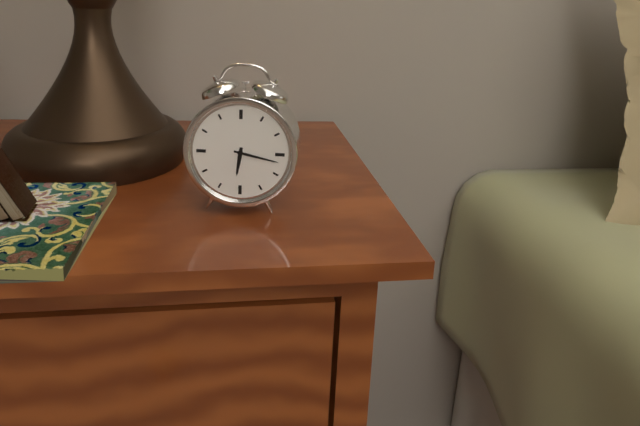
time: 6:17
